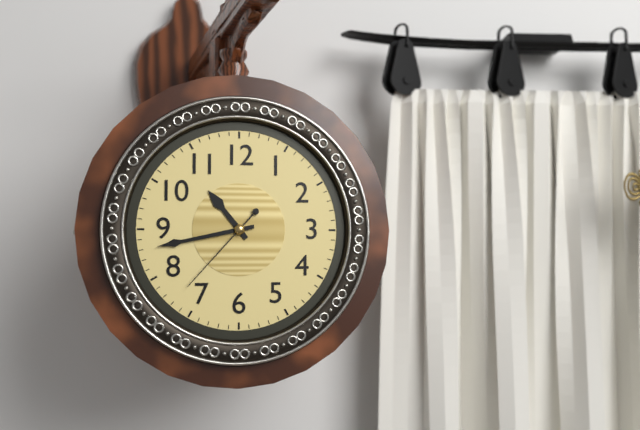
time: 10:43:37
